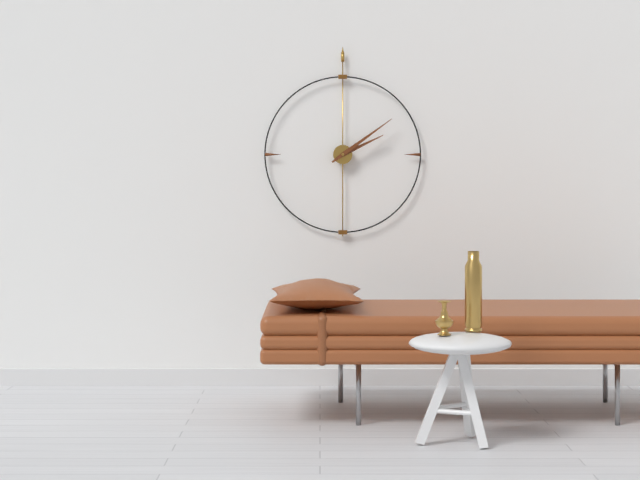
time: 2:09
